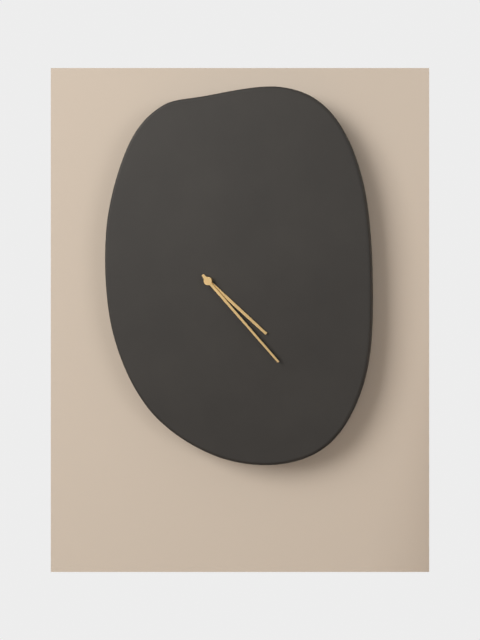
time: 4:23
